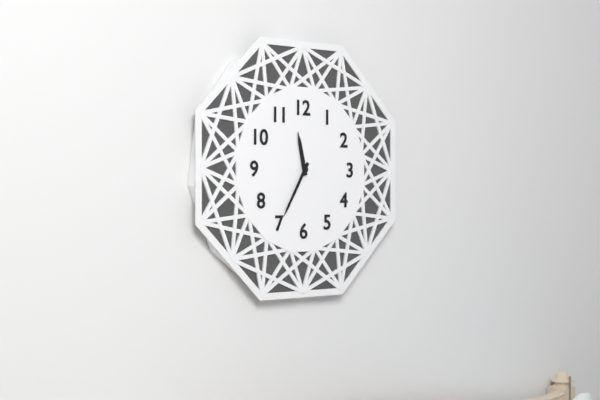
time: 11:35
